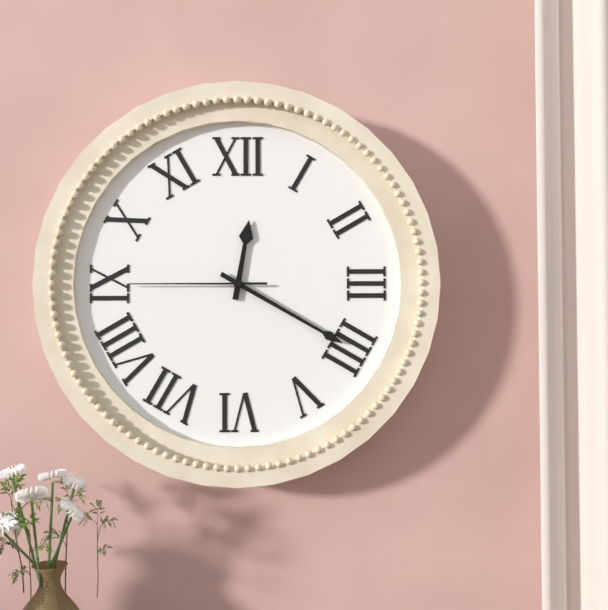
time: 12:20:45
